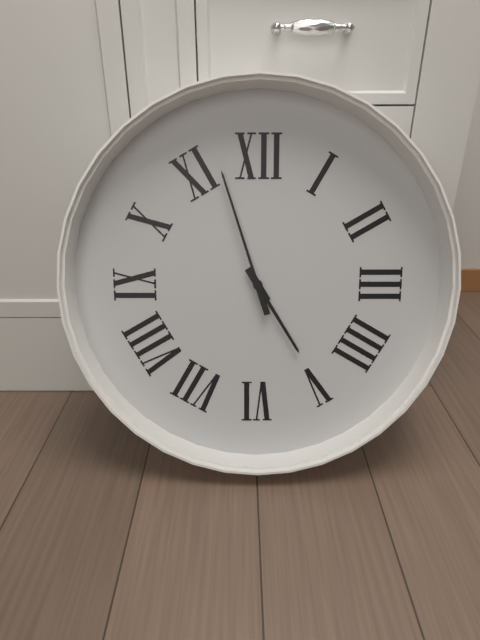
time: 4:57
